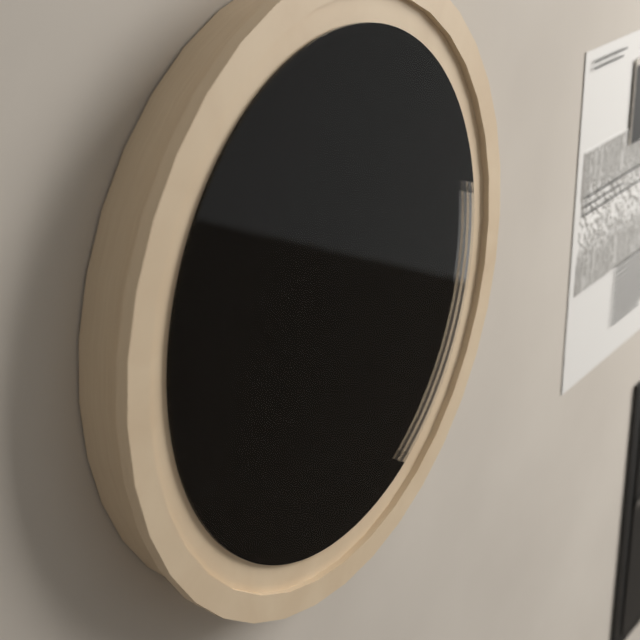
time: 3:38
